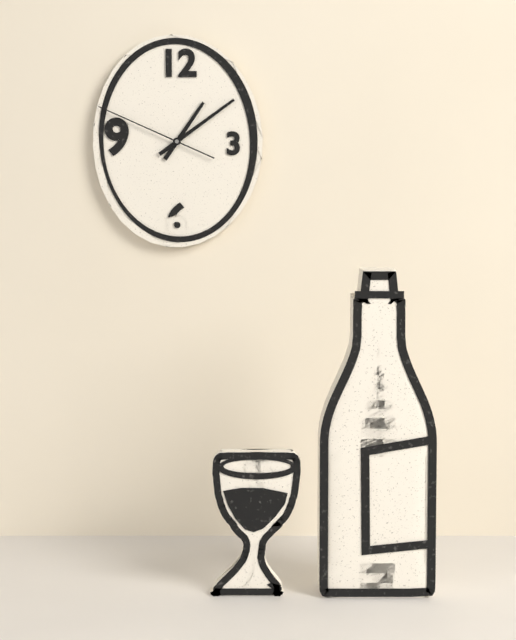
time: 1:09:49
